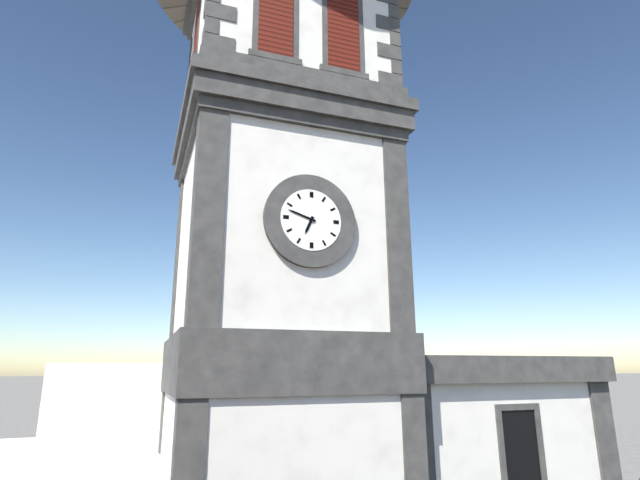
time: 6:48
